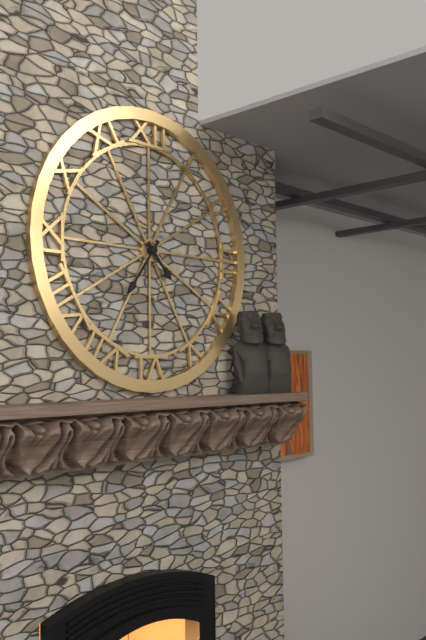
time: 4:36
